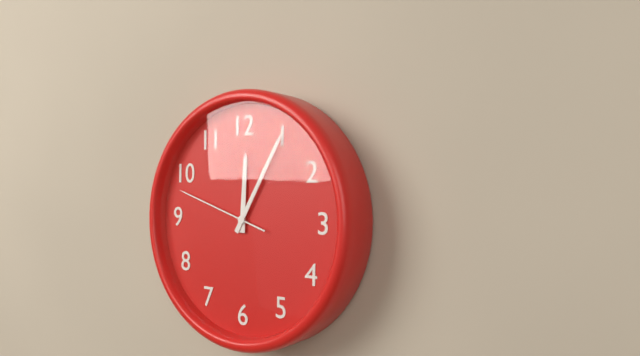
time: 12:05:48
